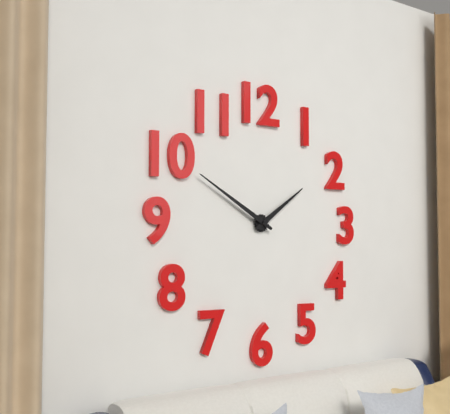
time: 1:50
